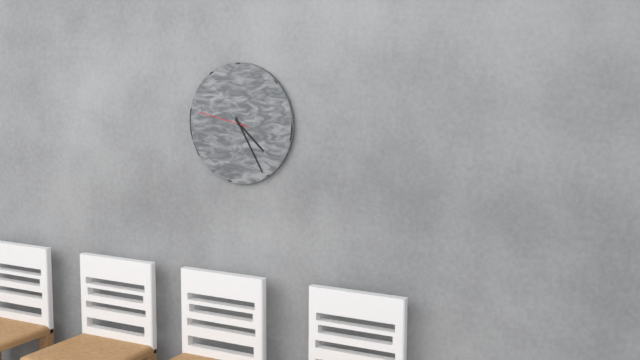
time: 4:25:47
